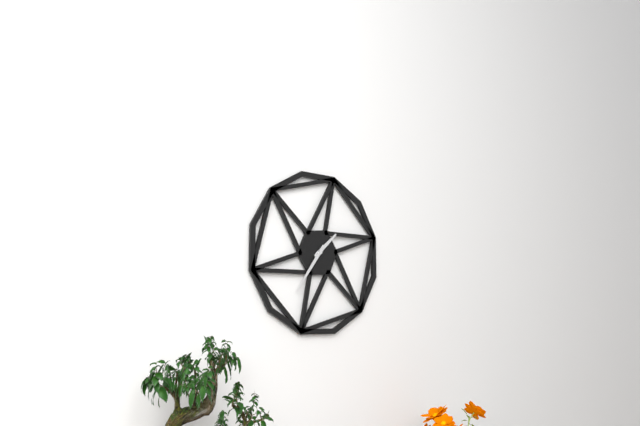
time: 1:36
